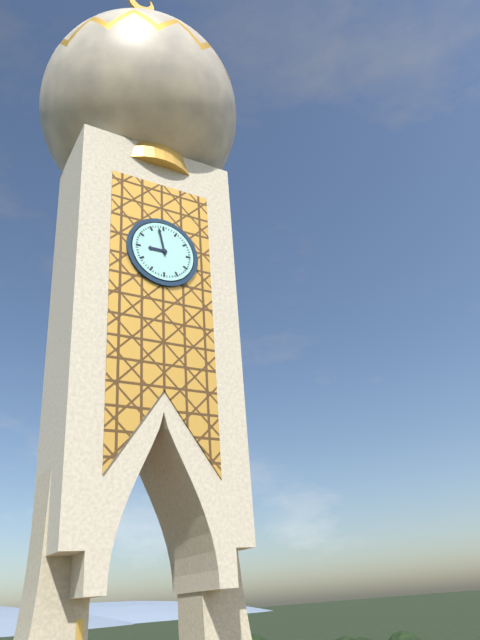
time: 8:58
